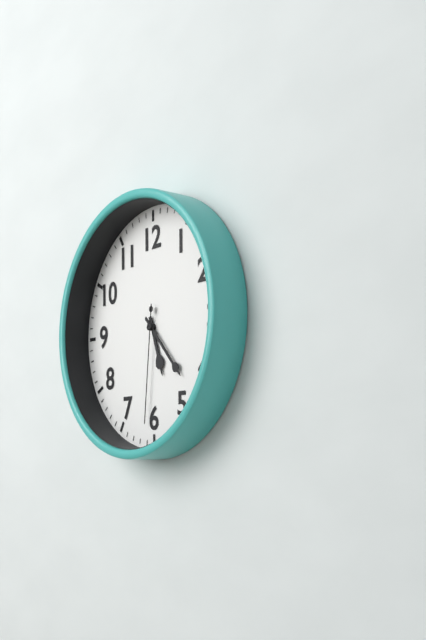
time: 5:23:31
